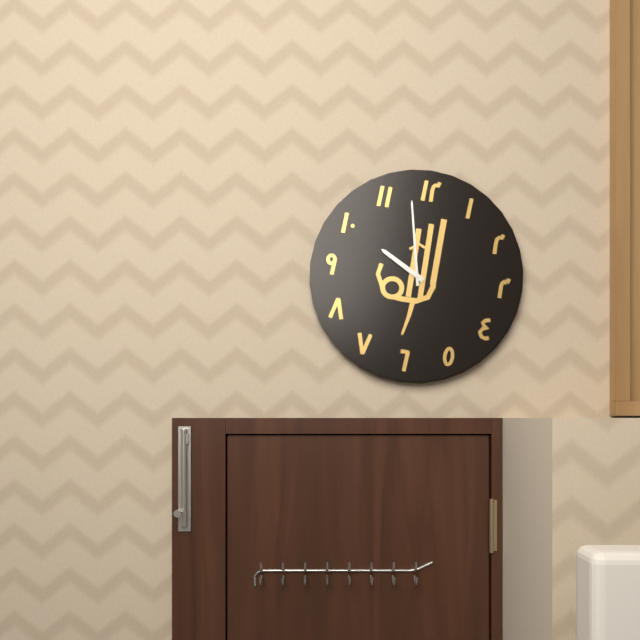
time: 9:58
